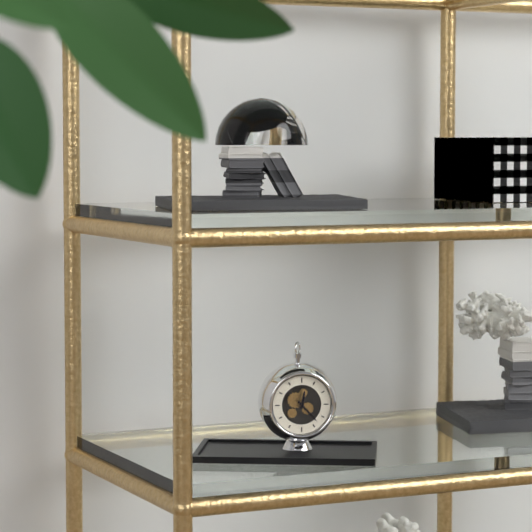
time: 12:23
